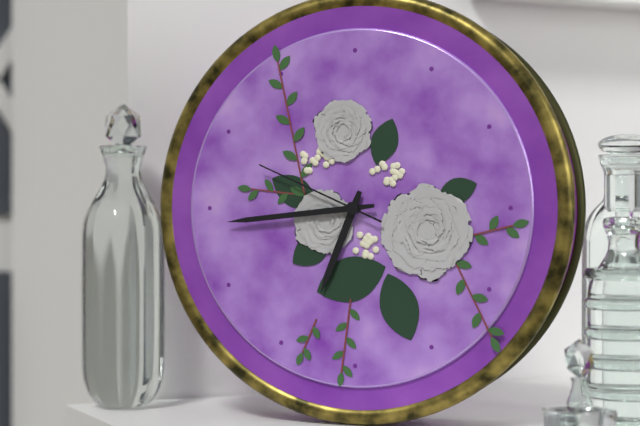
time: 6:44:49
